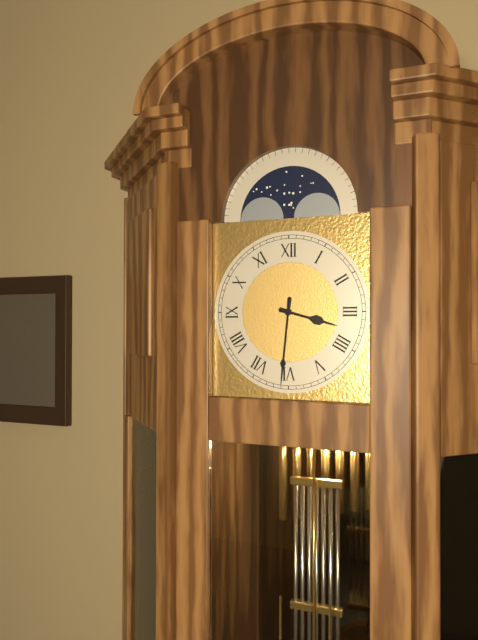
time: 3:31
